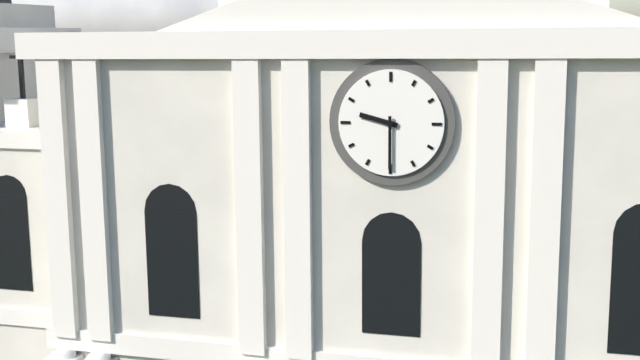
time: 9:30
